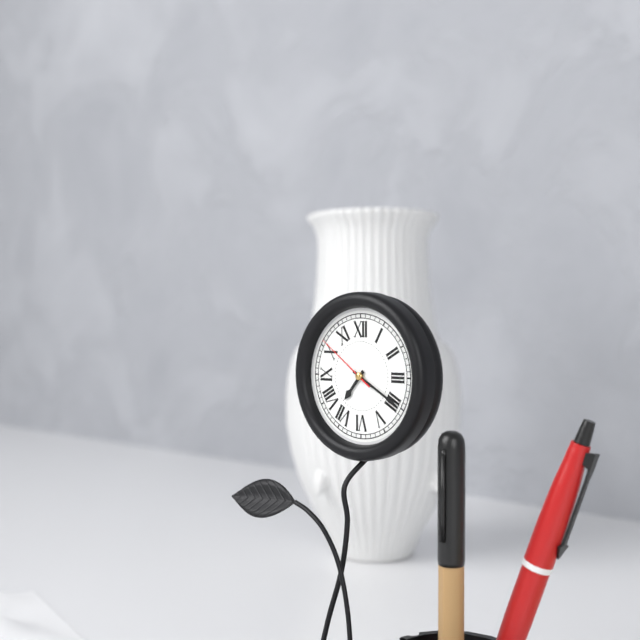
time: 7:20:51
